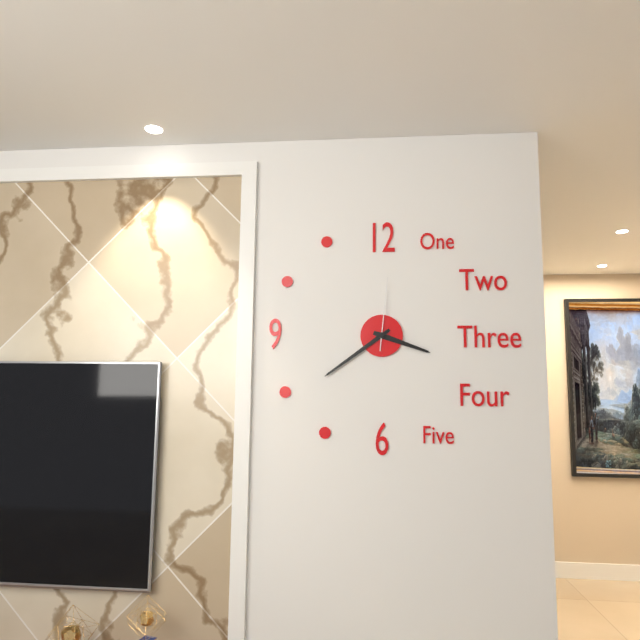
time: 3:39:01
